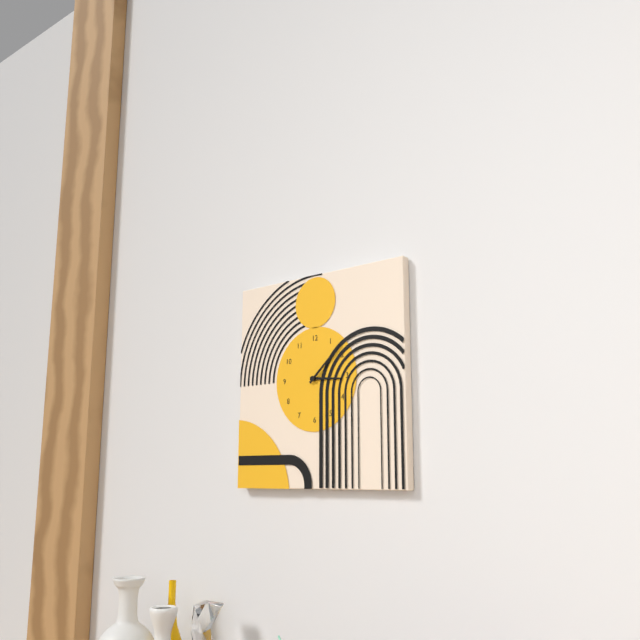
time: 3:08
